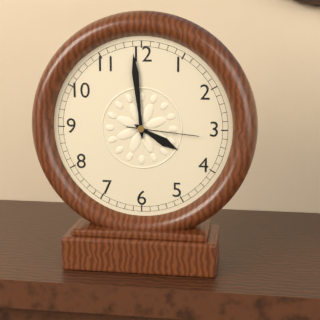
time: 3:59:16
